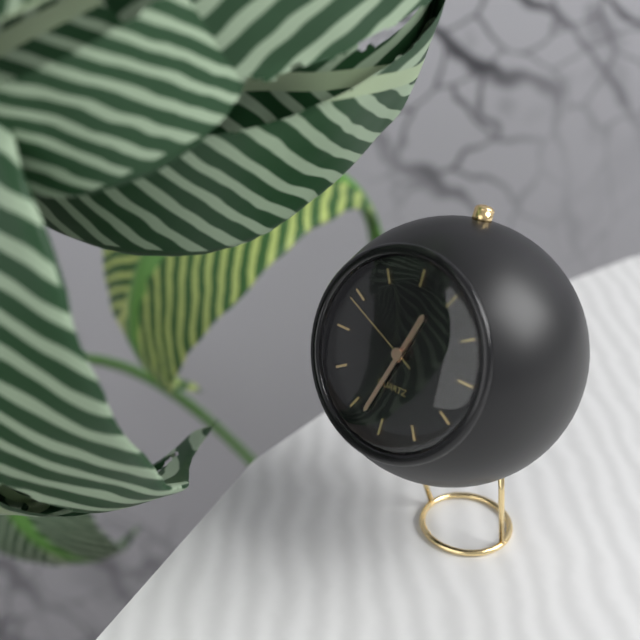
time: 12:33:49
